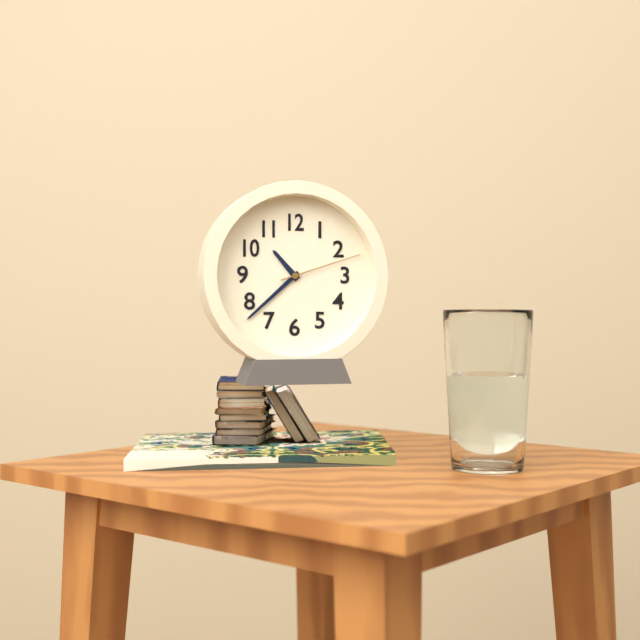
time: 10:38:12
